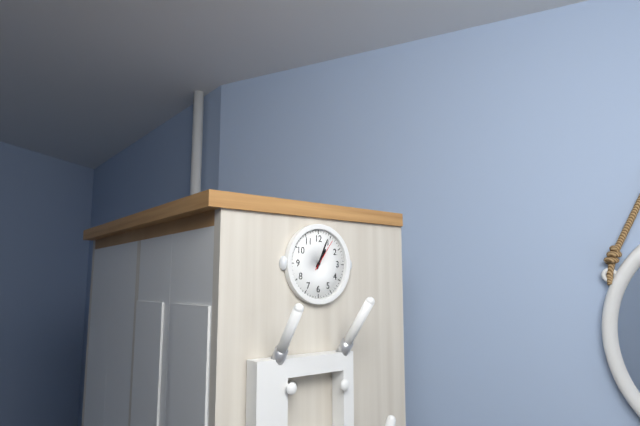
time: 1:04
